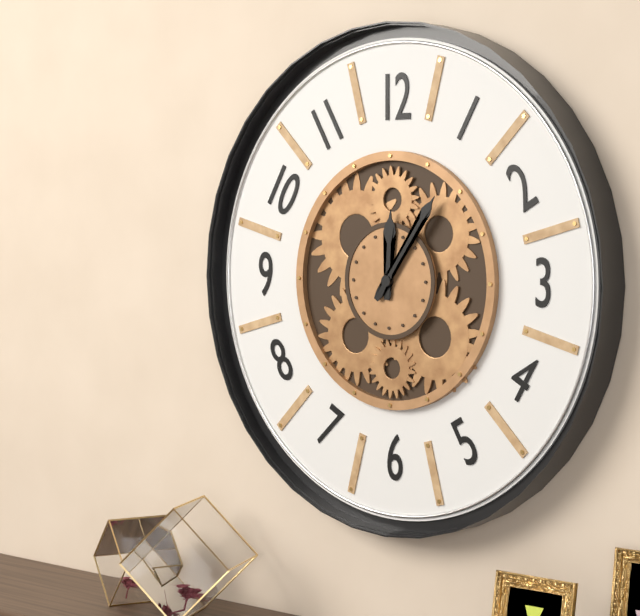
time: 12:06
